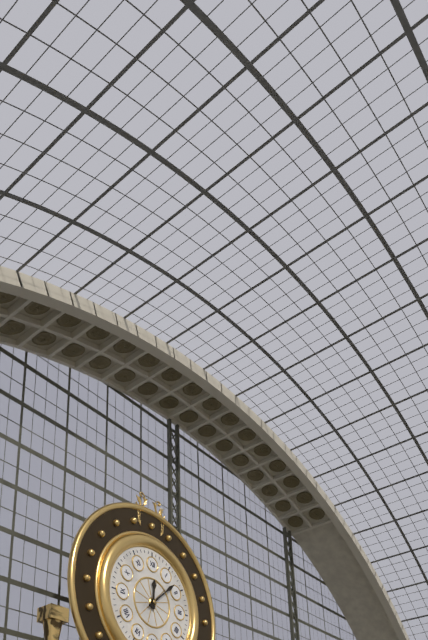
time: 12:08
